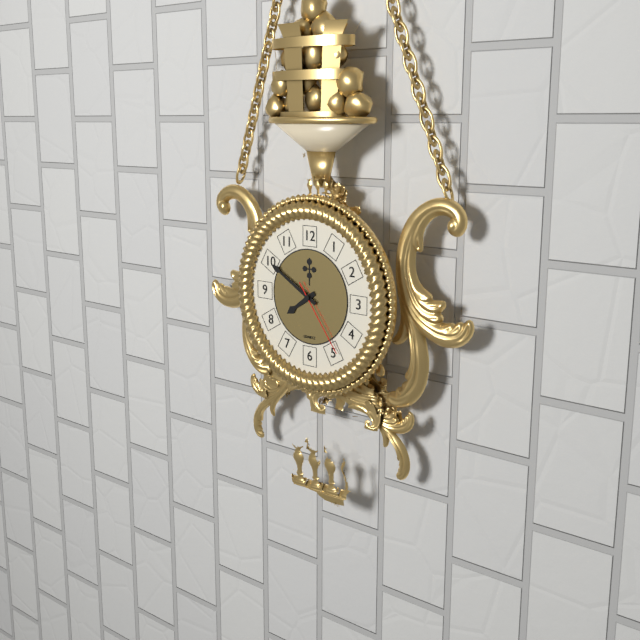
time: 7:50:24
